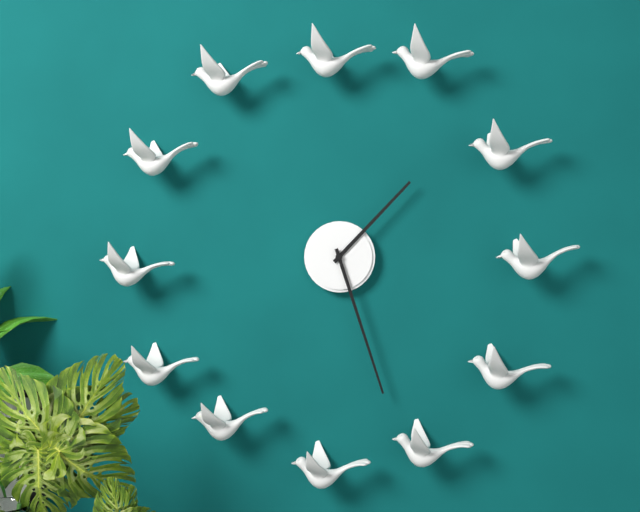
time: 1:27
